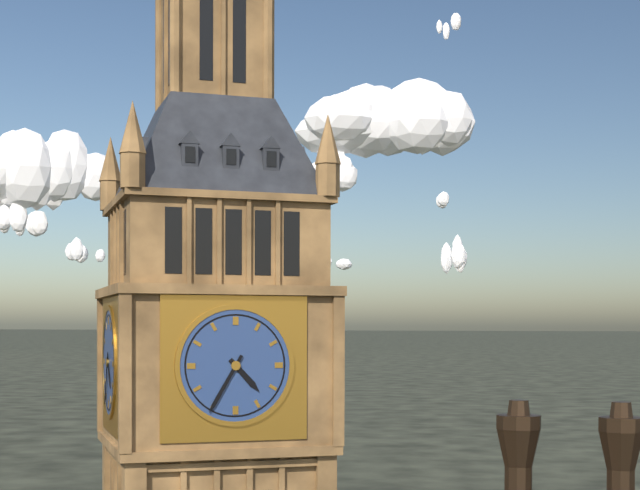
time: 4:35
